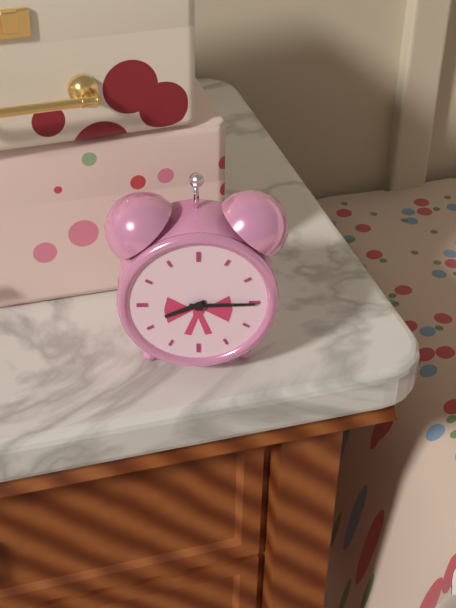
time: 8:15
